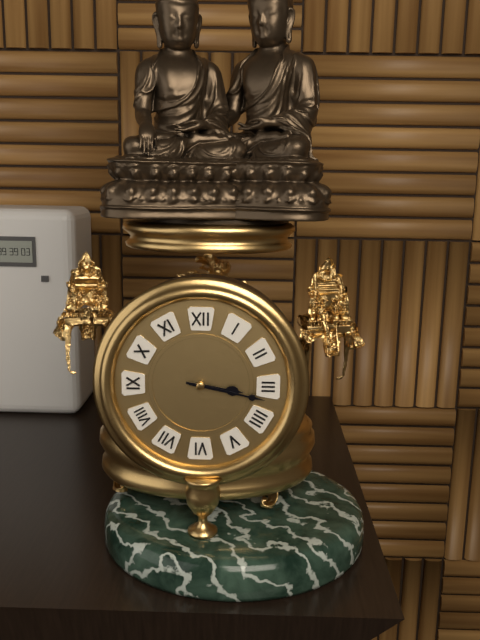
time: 3:17
